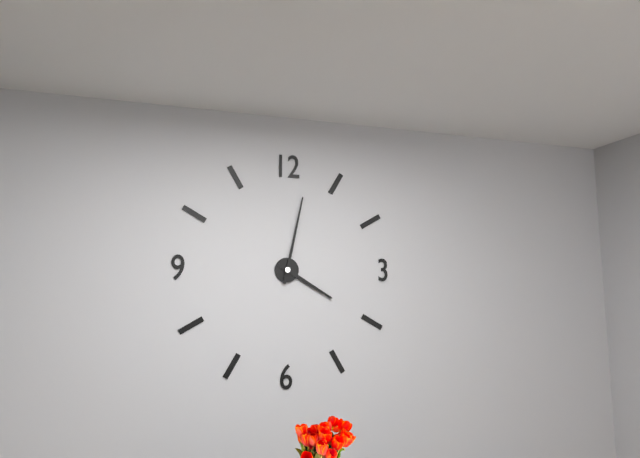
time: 4:02
